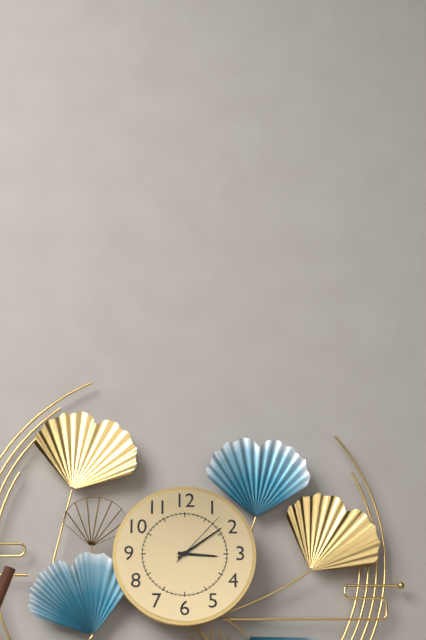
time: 3:09:07
